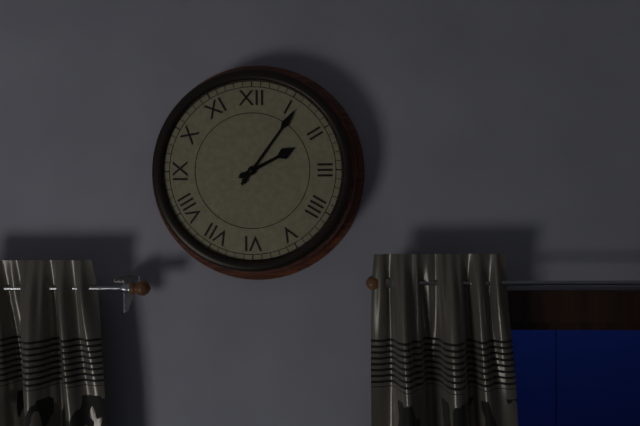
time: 2:06
